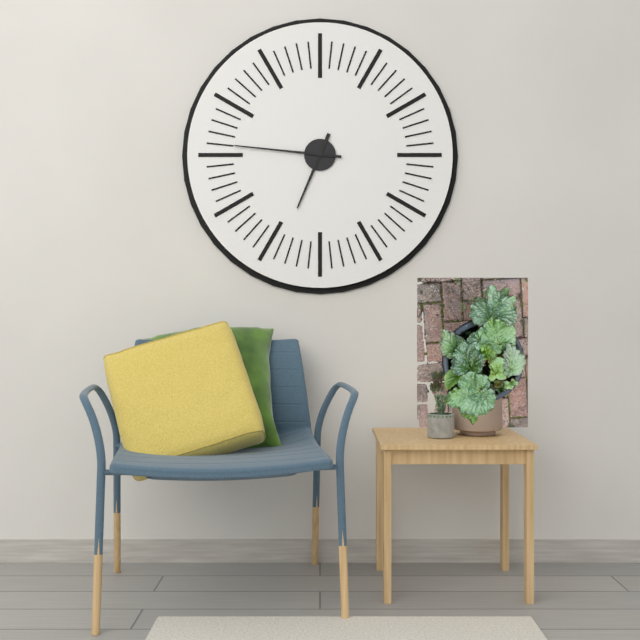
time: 6:46
